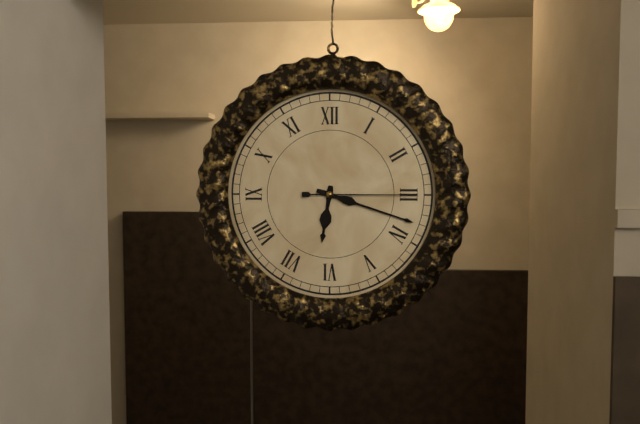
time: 6:18:15
